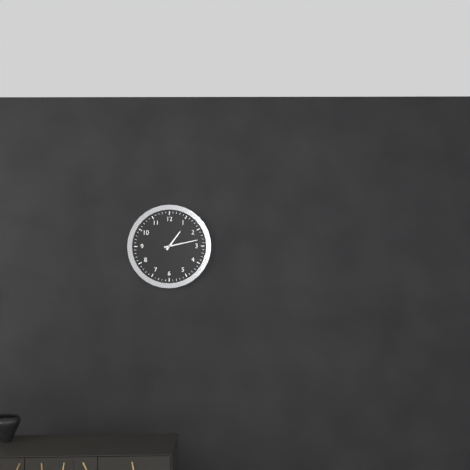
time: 1:13
